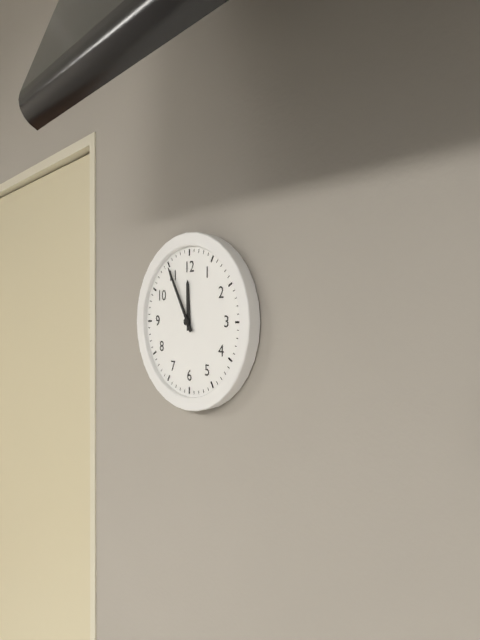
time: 11:55
